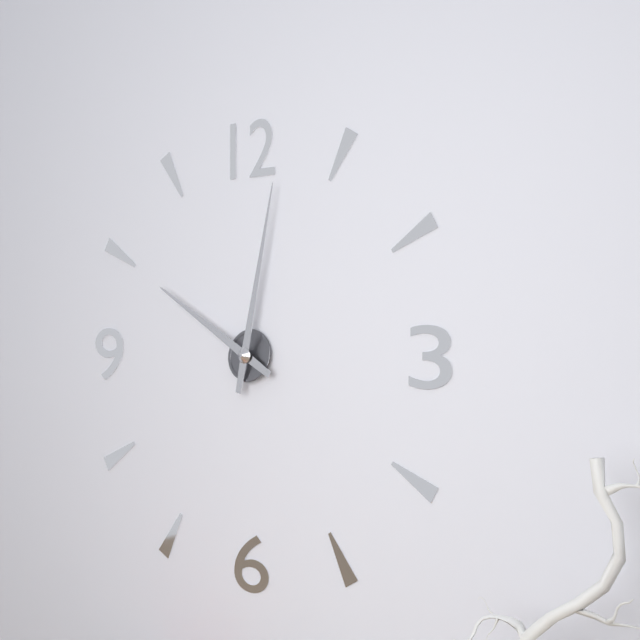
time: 10:02
